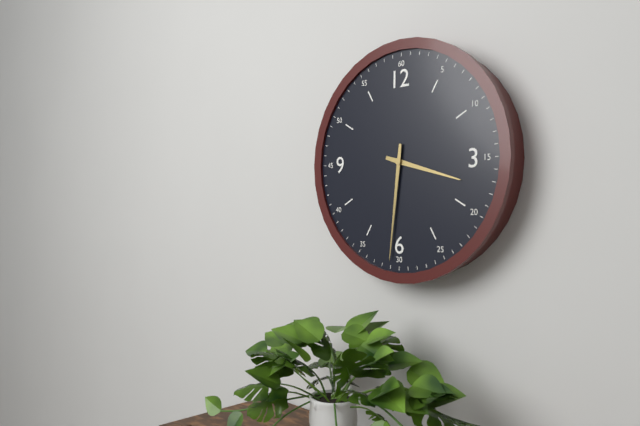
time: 3:31
